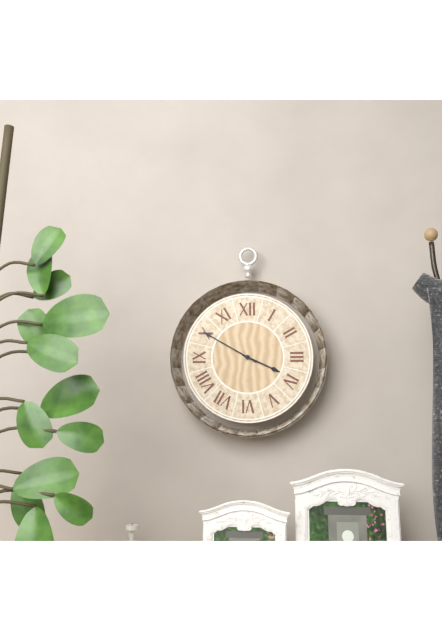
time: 3:50
